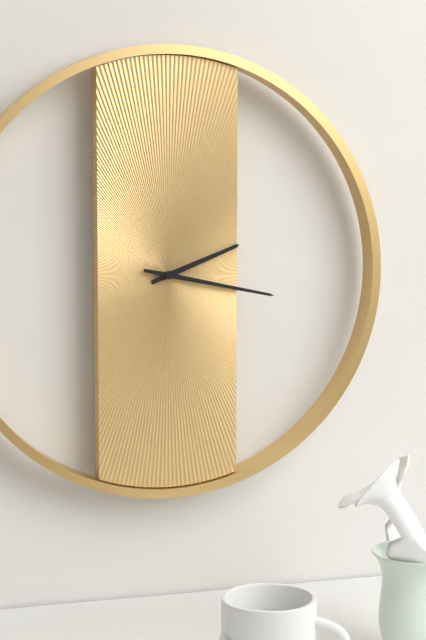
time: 2:17
